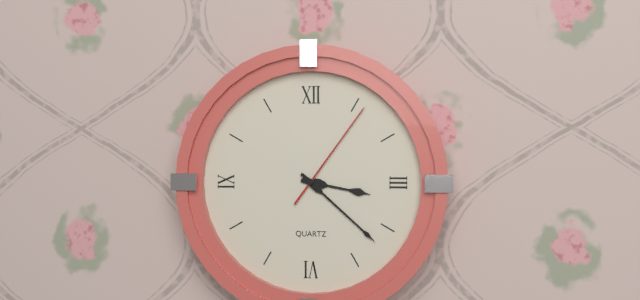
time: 3:22:06
